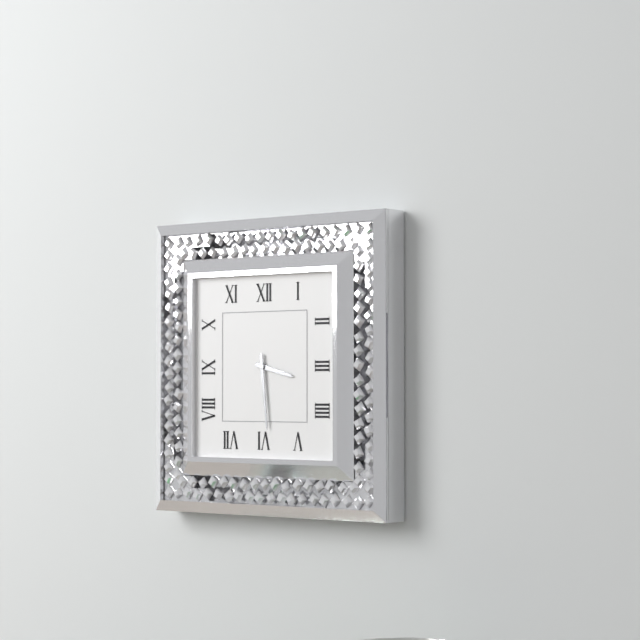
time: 3:29
